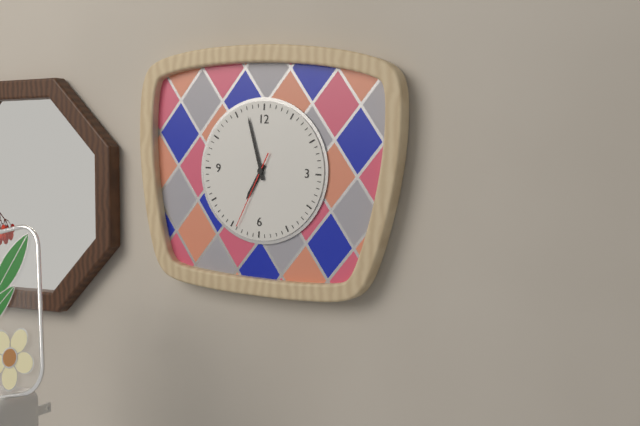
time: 6:57:34
